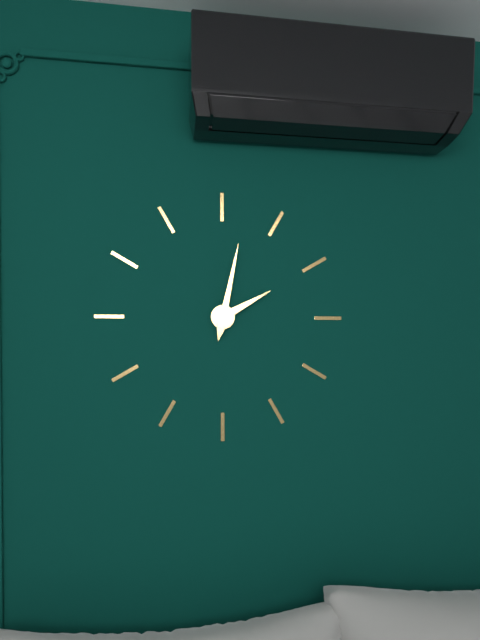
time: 2:02
